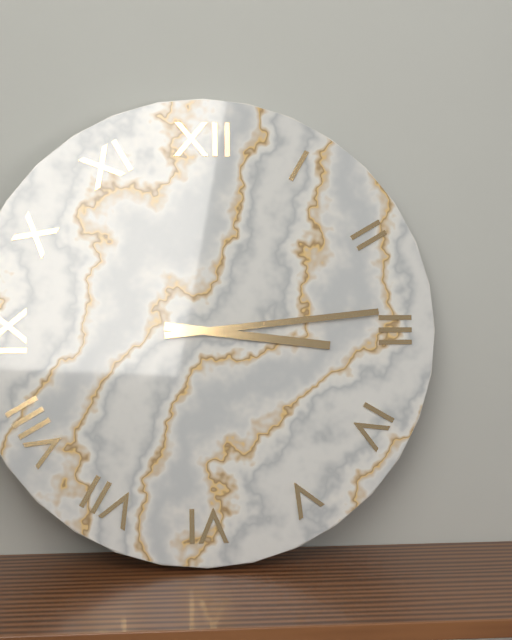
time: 3:14
